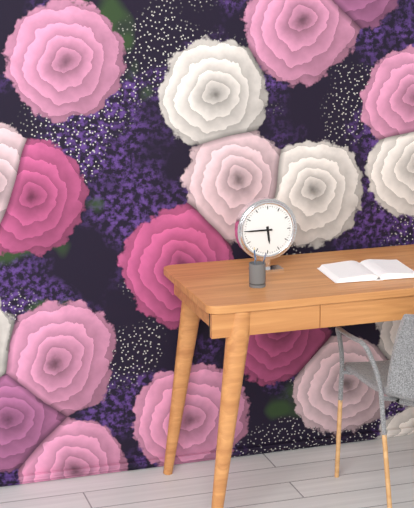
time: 5:45
